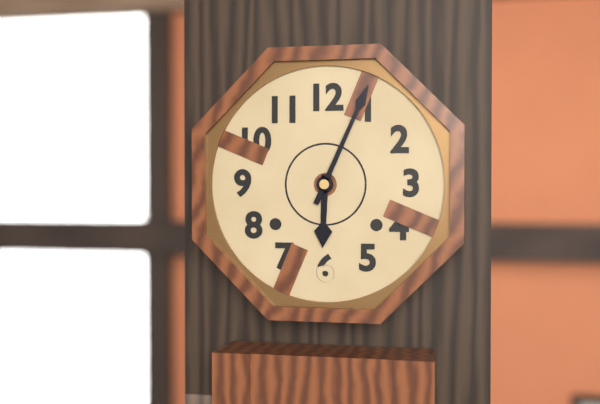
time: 6:04
